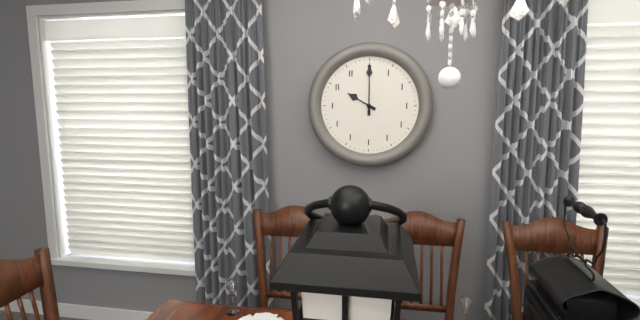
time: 10:00
